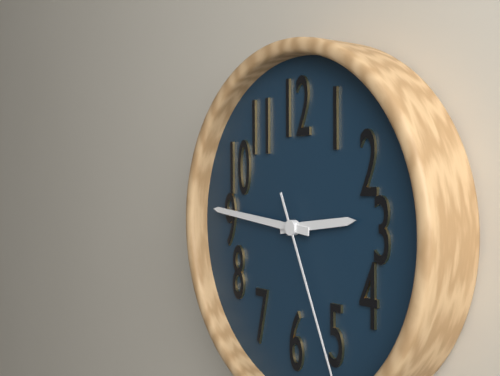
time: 2:46
